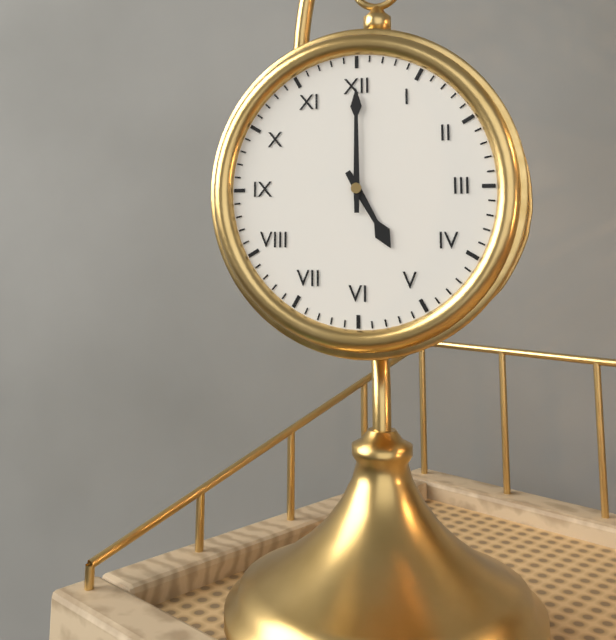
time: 5:00
